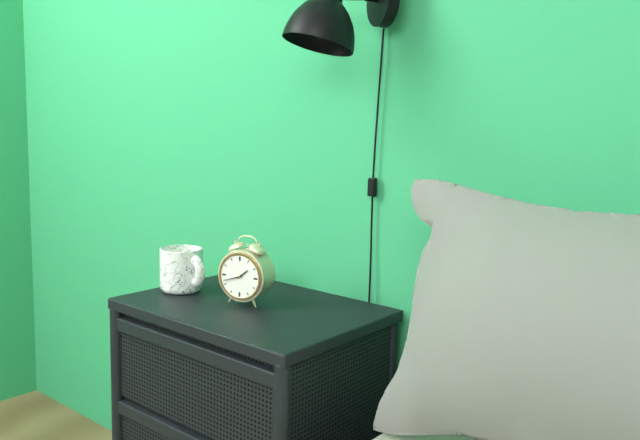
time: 1:42
